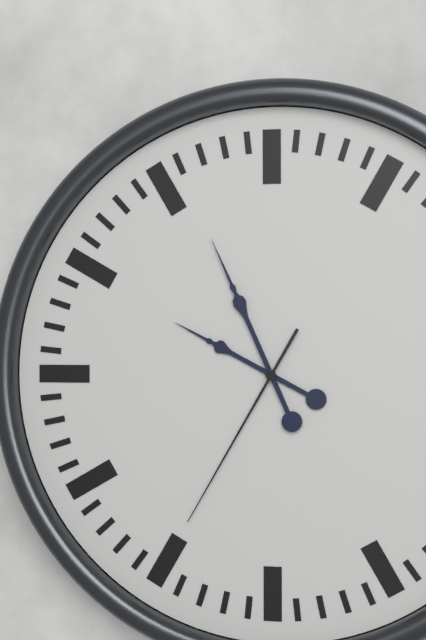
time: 9:56:35
